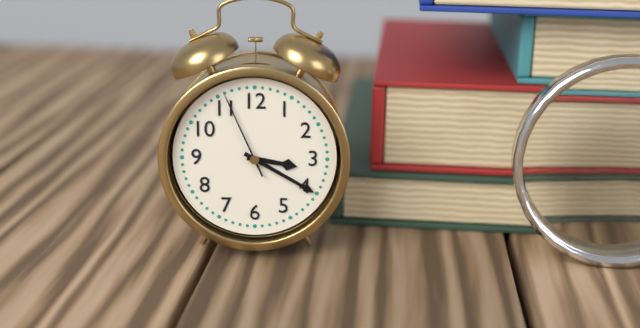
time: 3:20:56
